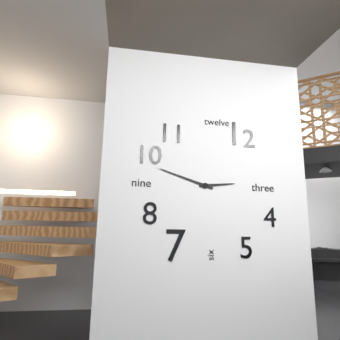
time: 2:48
